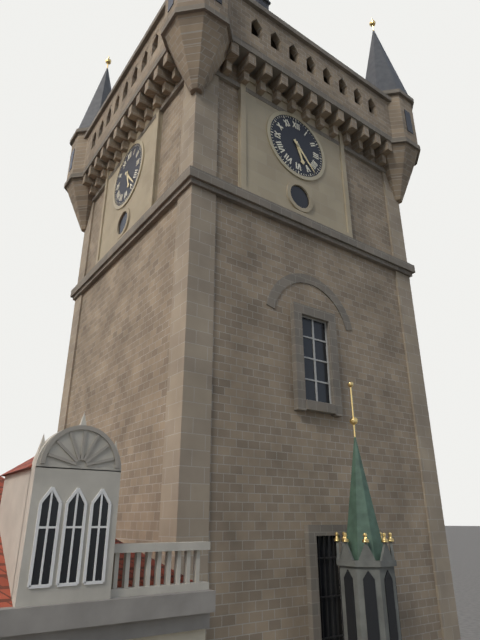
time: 5:23
